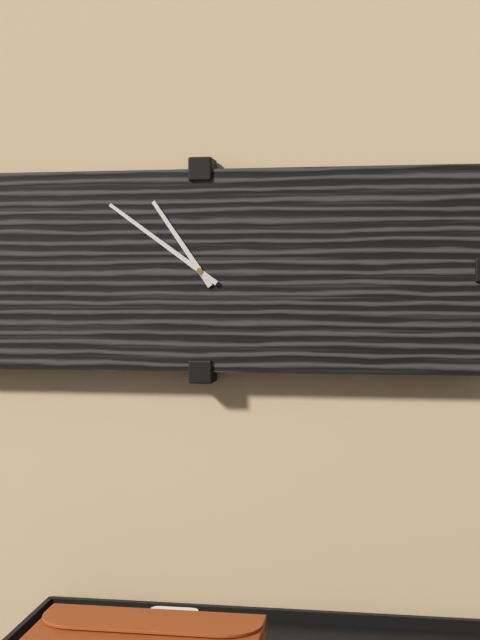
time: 10:51
